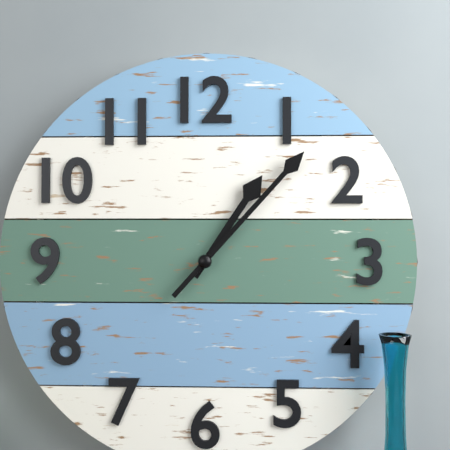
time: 1:07
